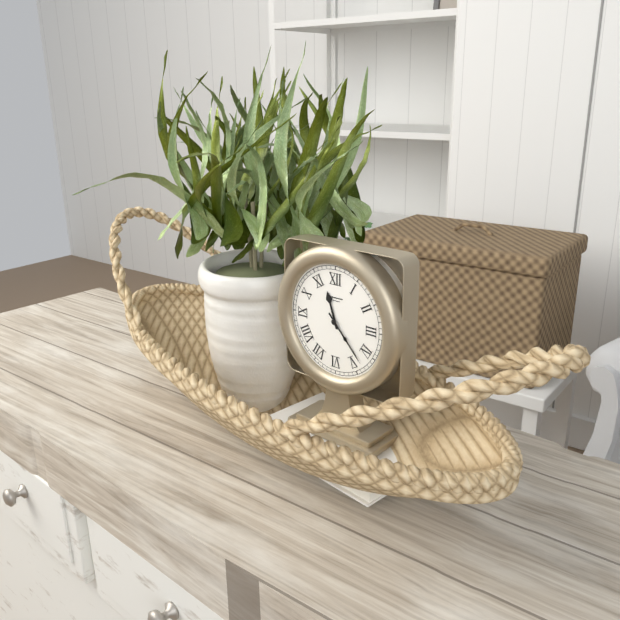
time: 11:23
